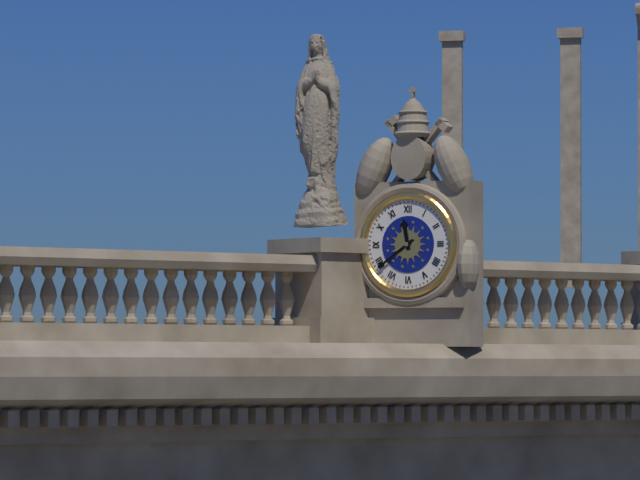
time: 11:39
